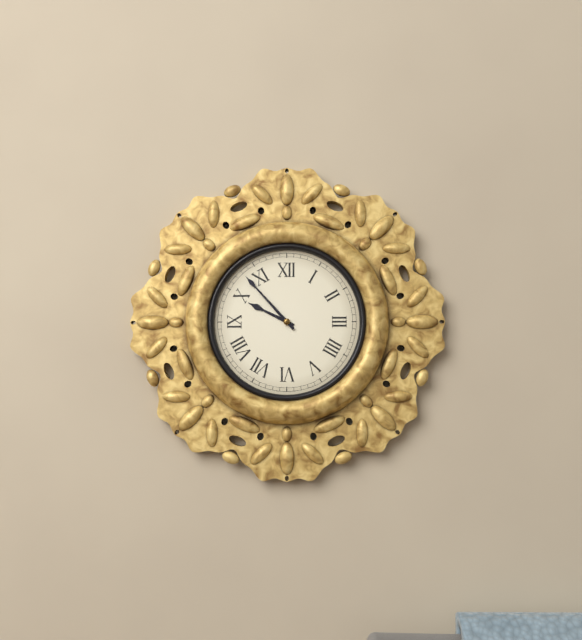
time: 9:53
